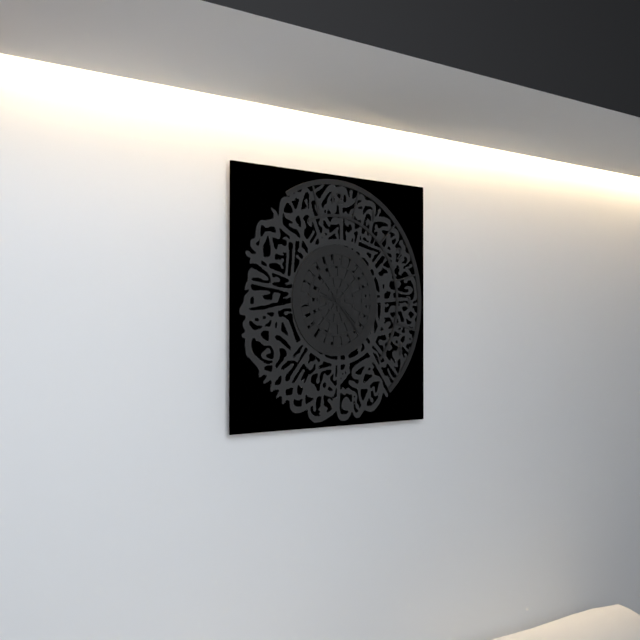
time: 9:23
